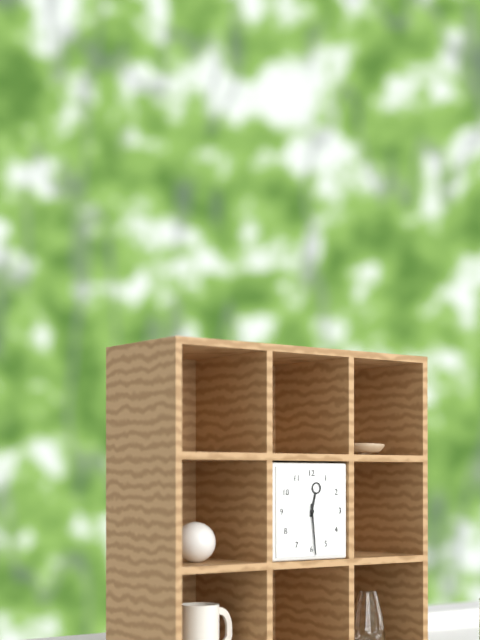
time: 12:29
